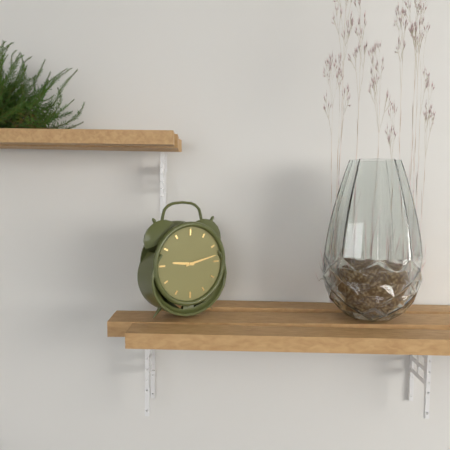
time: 9:13
